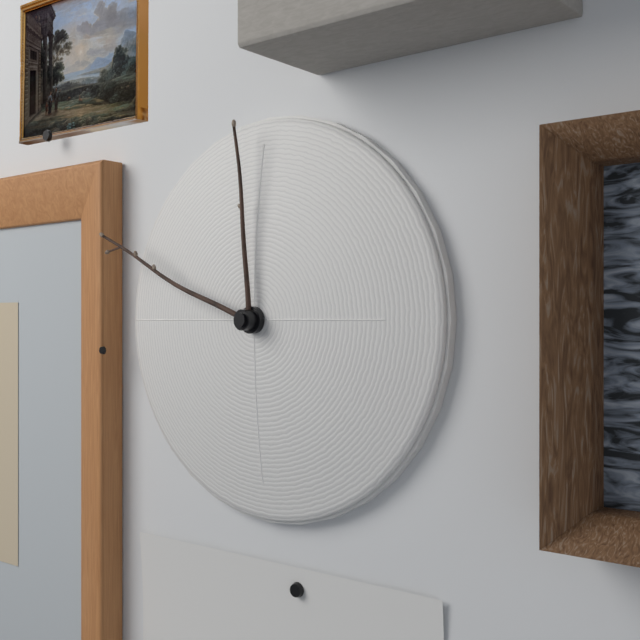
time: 11:49
